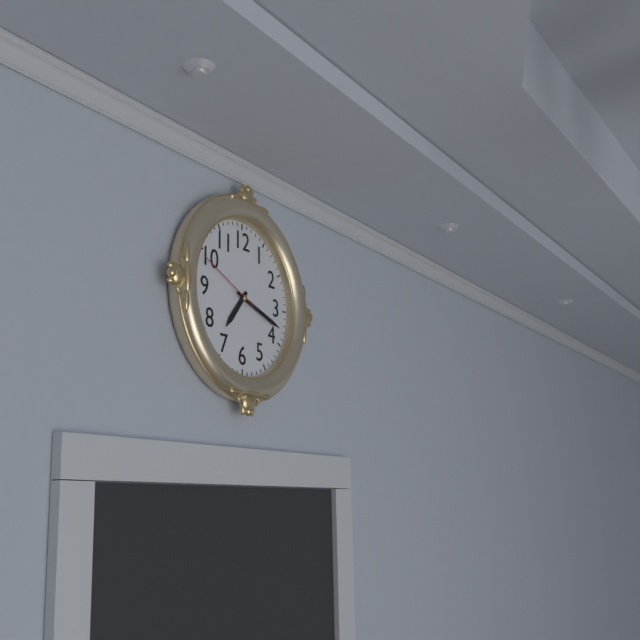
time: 7:18:49
